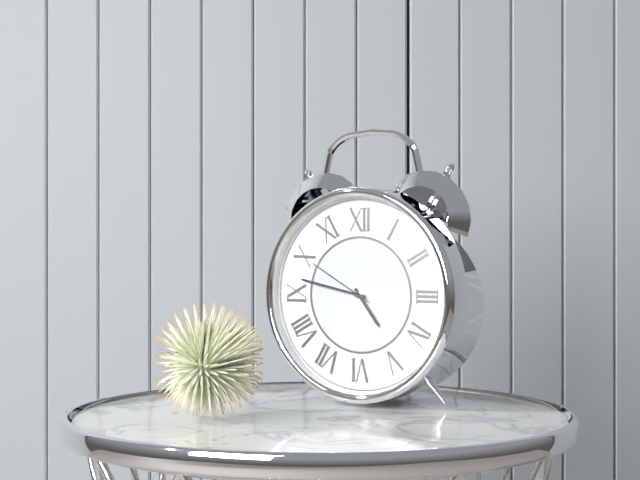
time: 4:47:50
